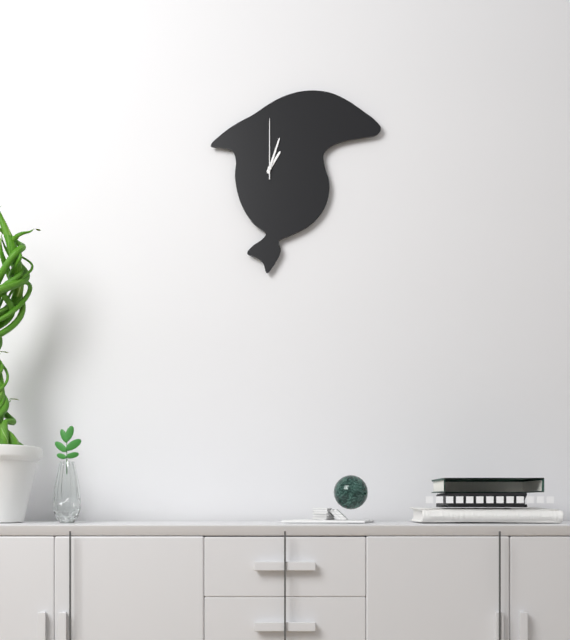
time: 1:03:00
